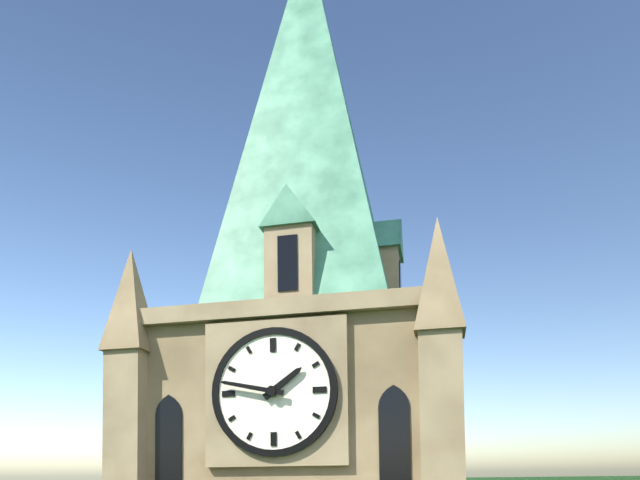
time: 1:47
